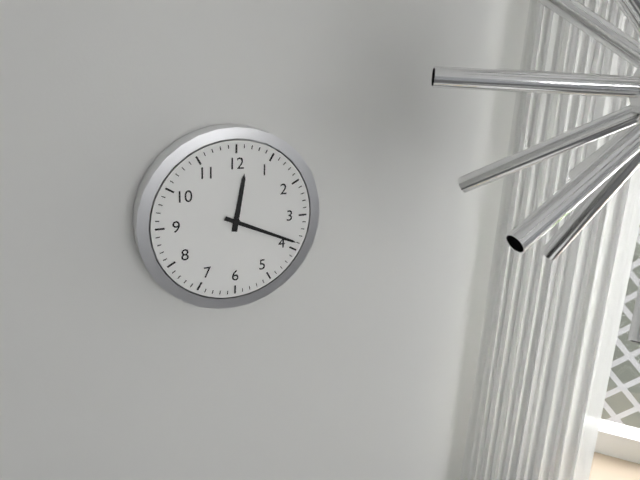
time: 12:19
